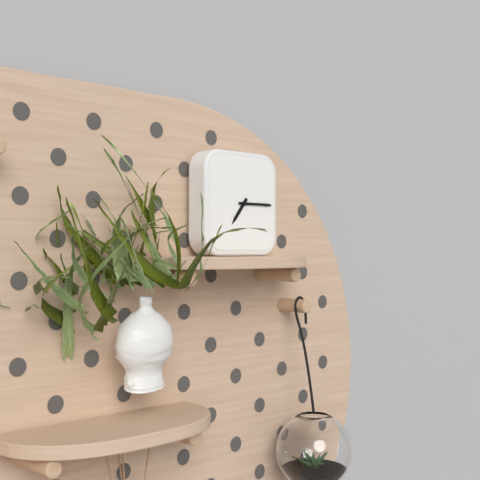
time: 7:15
